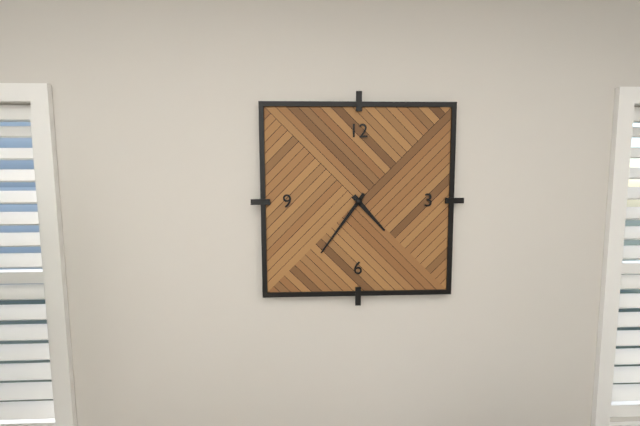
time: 4:36
